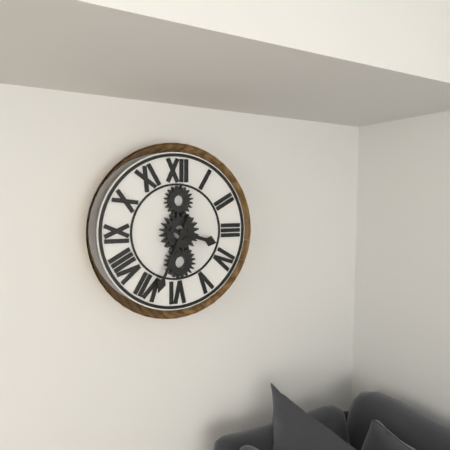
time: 3:34
